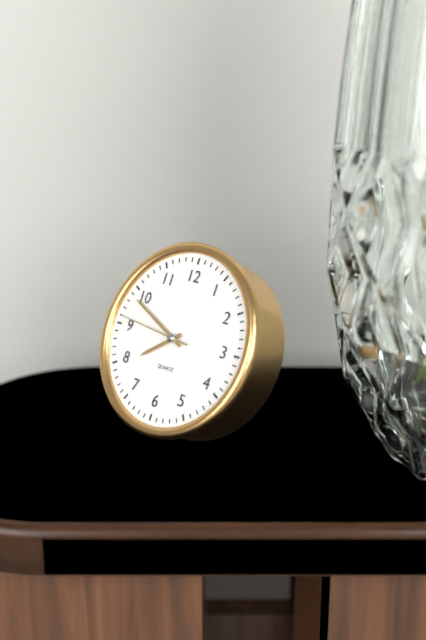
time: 7:49:46
